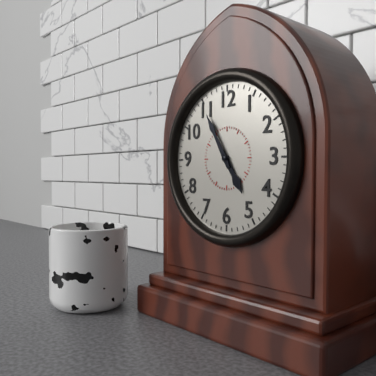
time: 4:55
